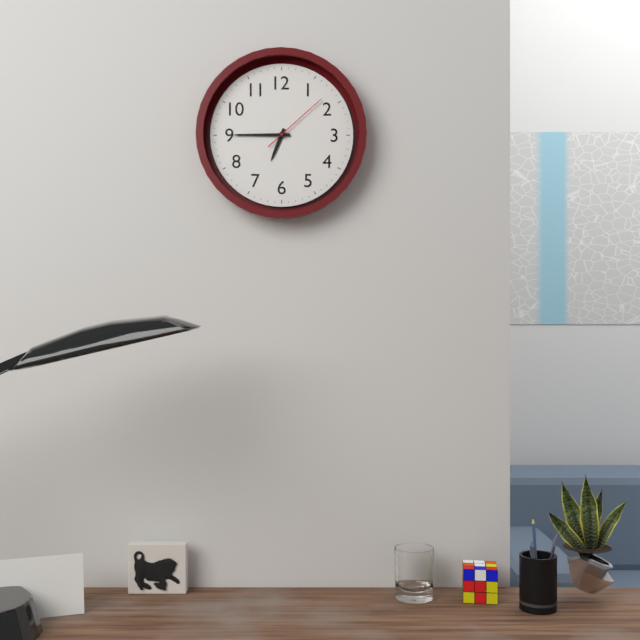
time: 6:45:08
